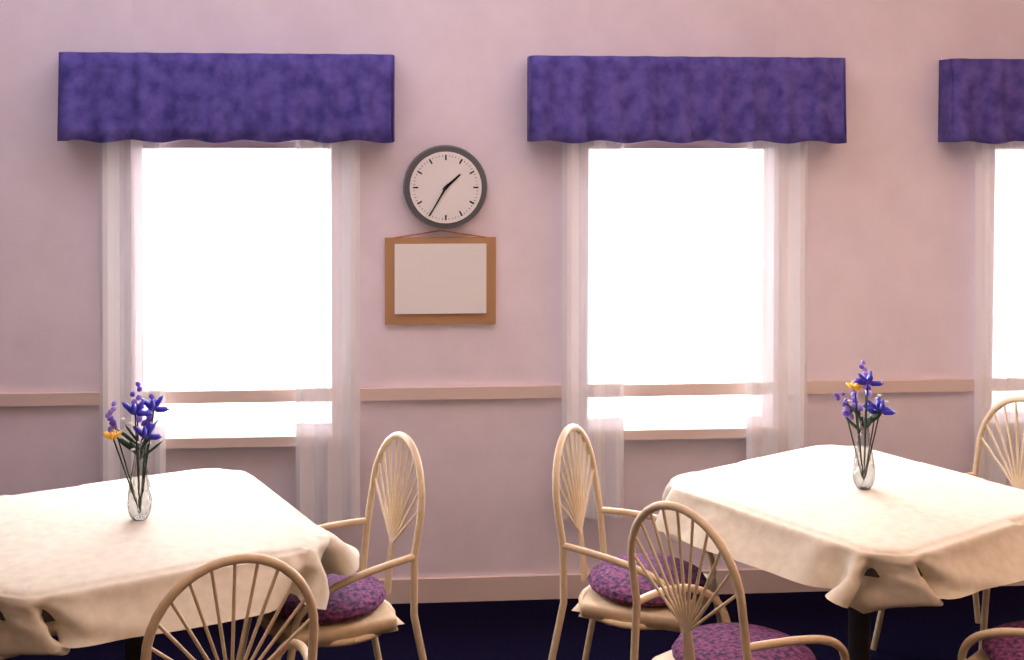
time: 1:35
